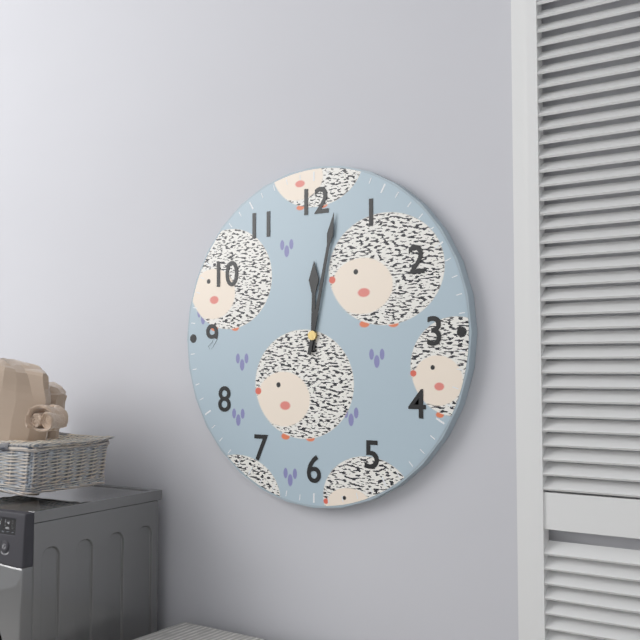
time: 12:02
